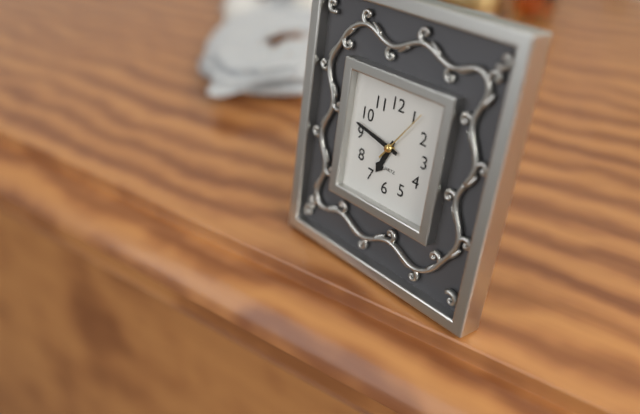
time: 6:47:06
